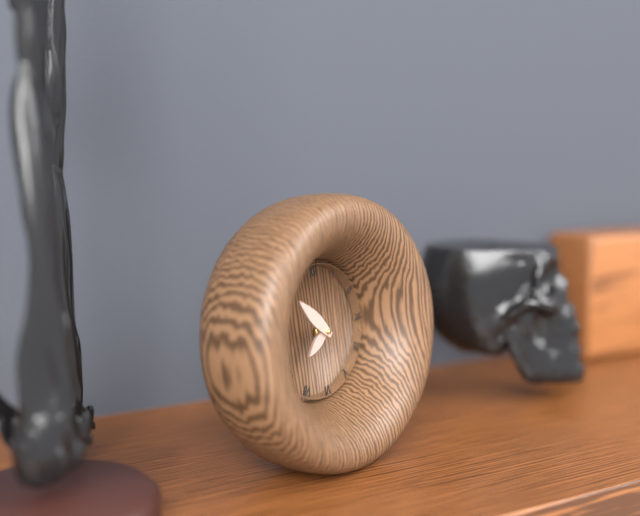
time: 7:53
